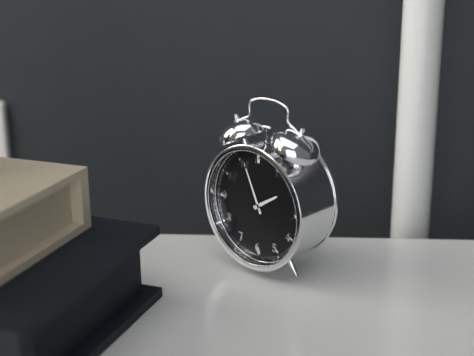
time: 1:56
